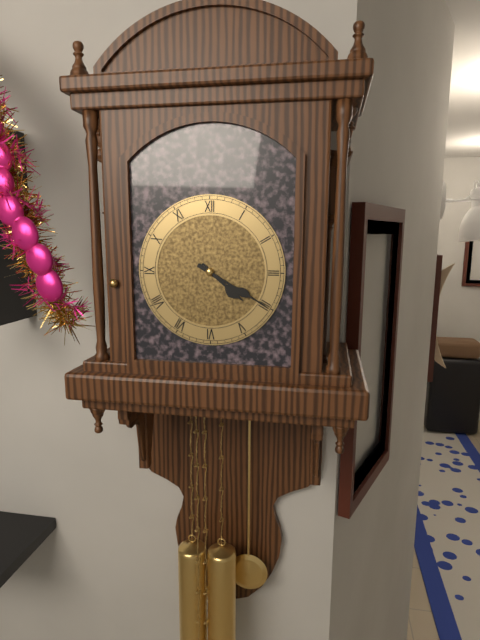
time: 4:20
